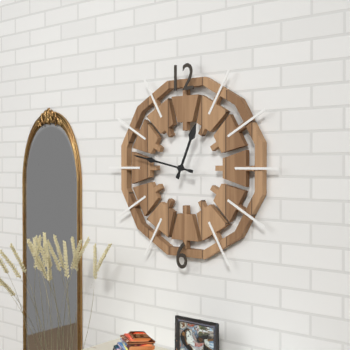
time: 12:47
